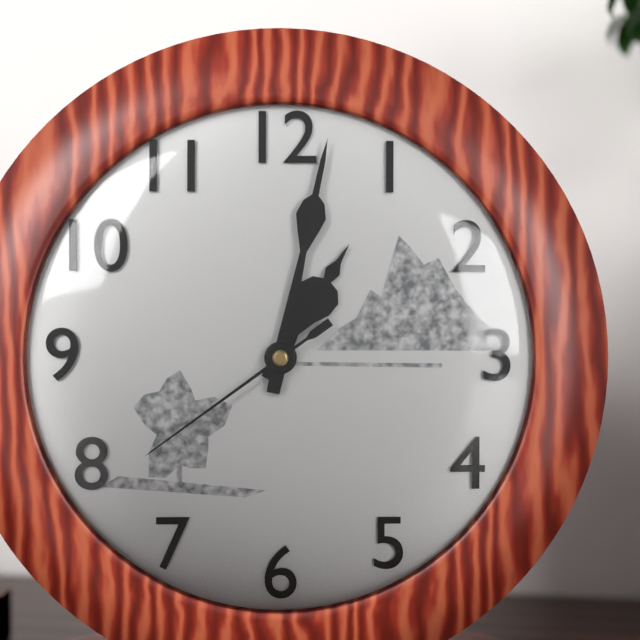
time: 1:02:39
